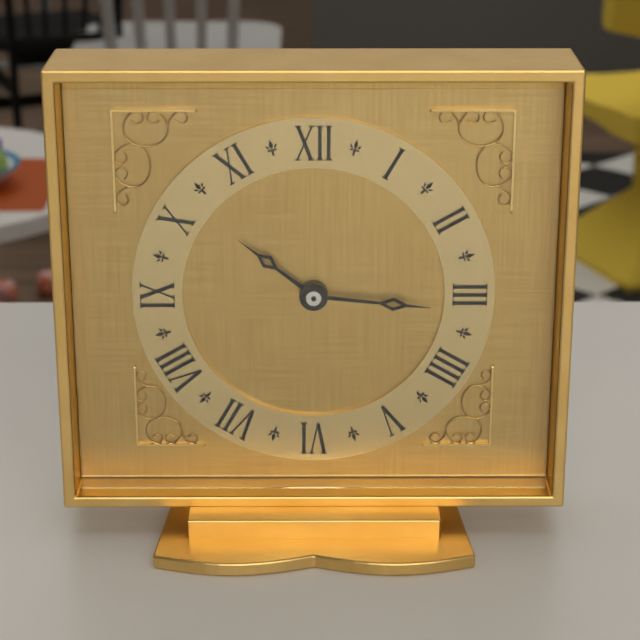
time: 10:16
